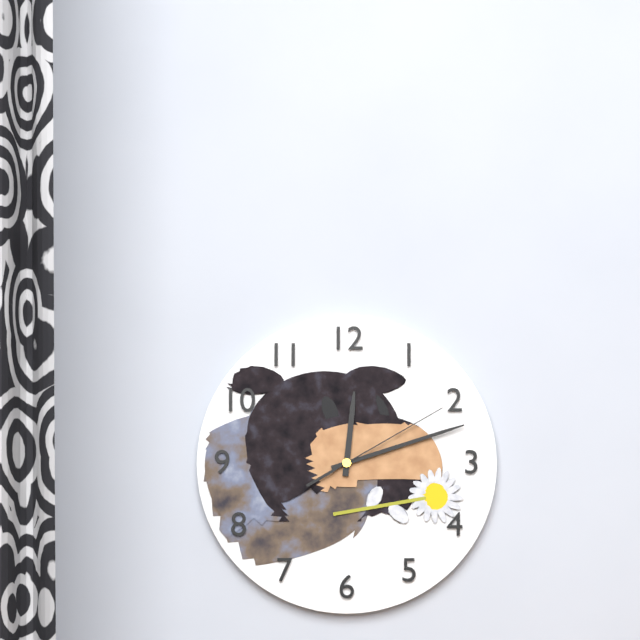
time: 12:12:10
